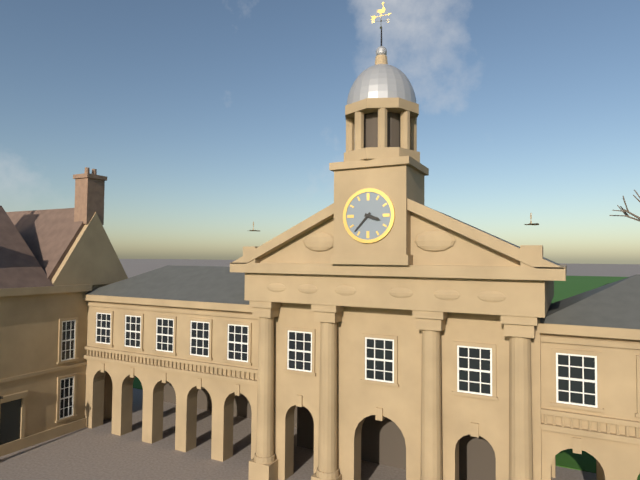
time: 3:37
